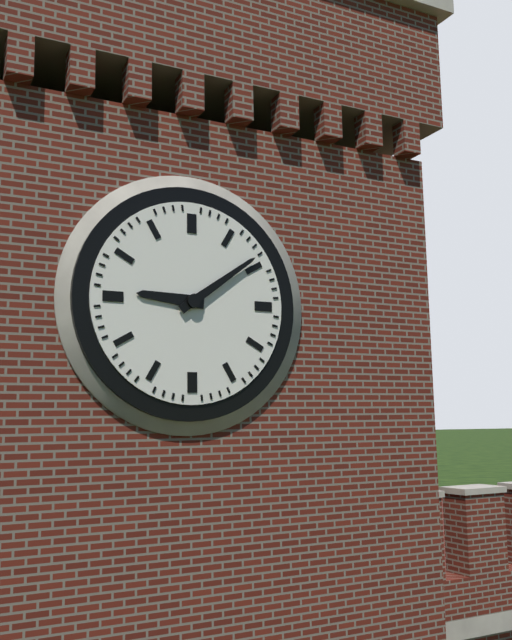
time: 9:09
